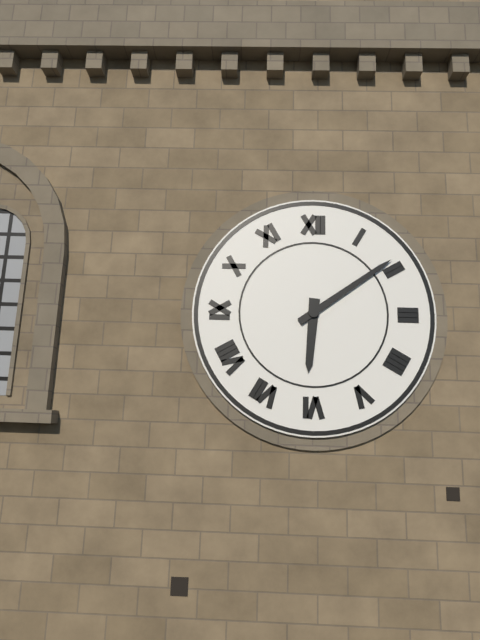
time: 6:09
